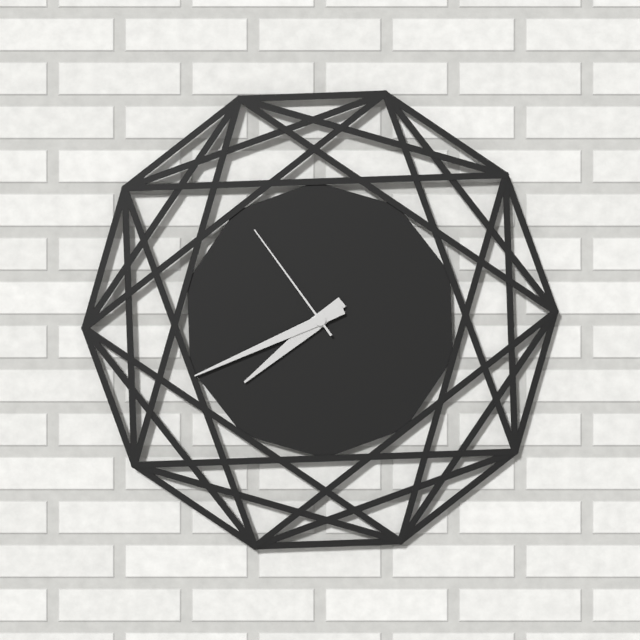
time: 7:41:54
